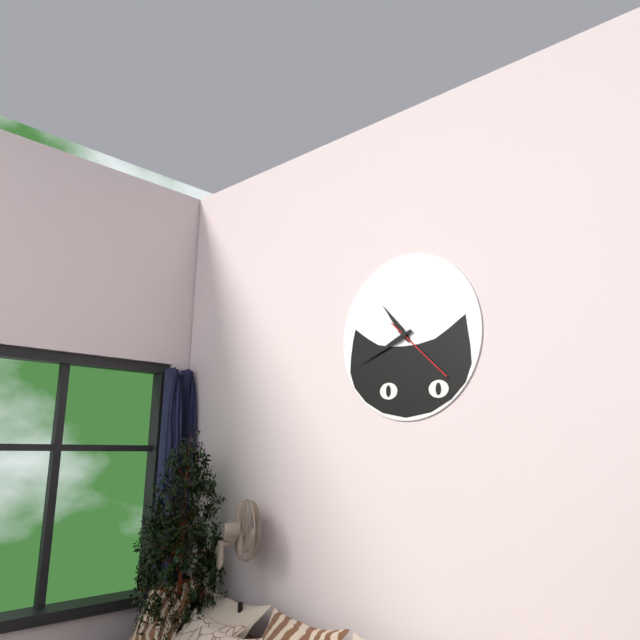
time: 10:41:22
